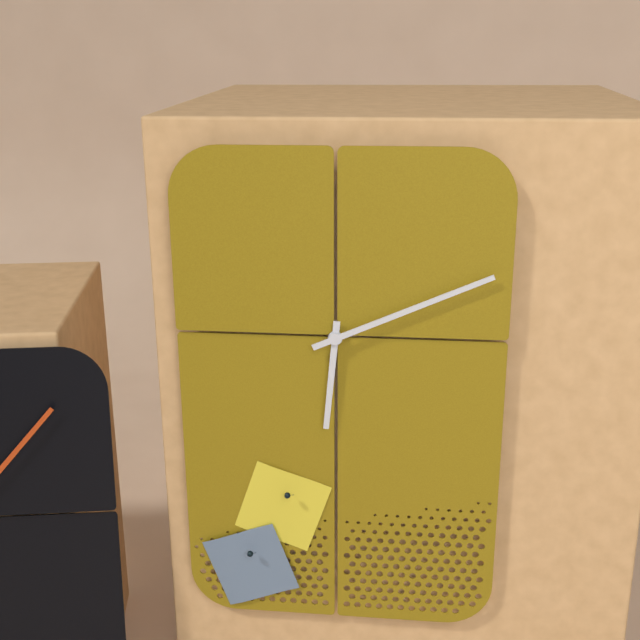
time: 6:11
